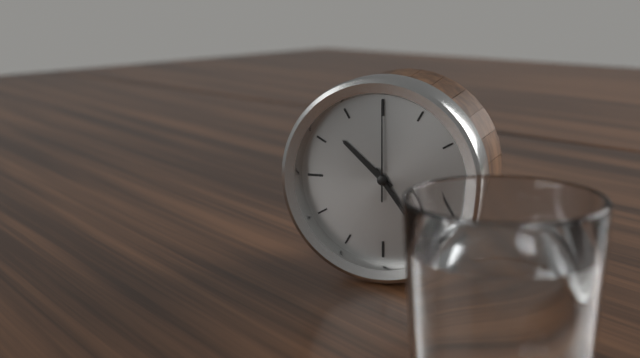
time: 10:24:00
